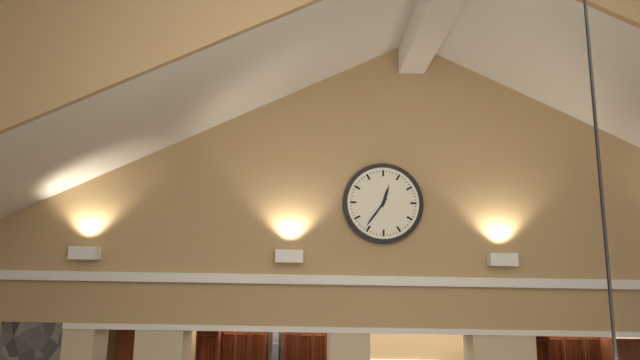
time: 12:36
